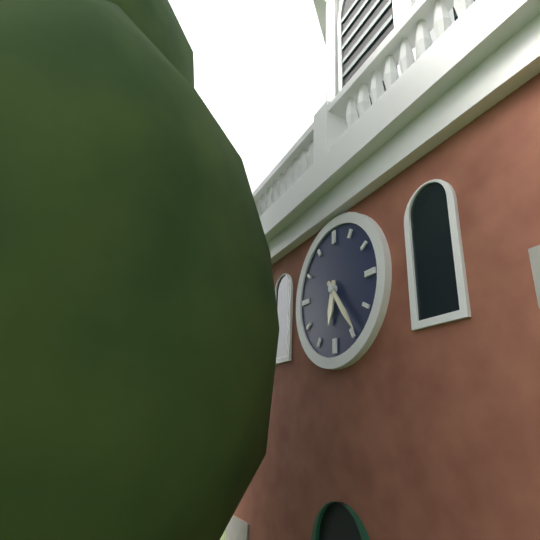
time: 6:24
